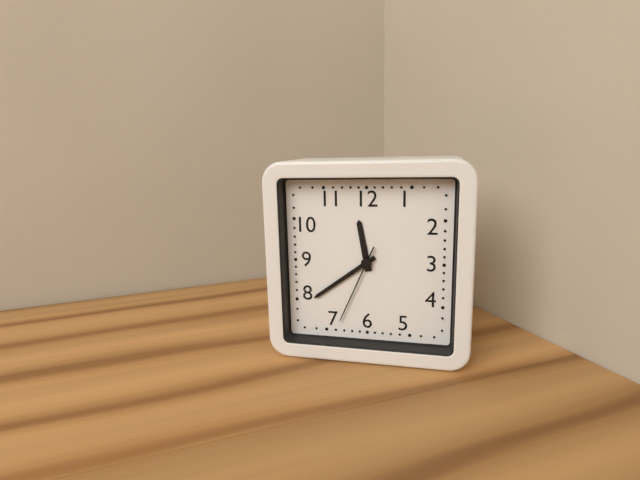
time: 11:39:34
